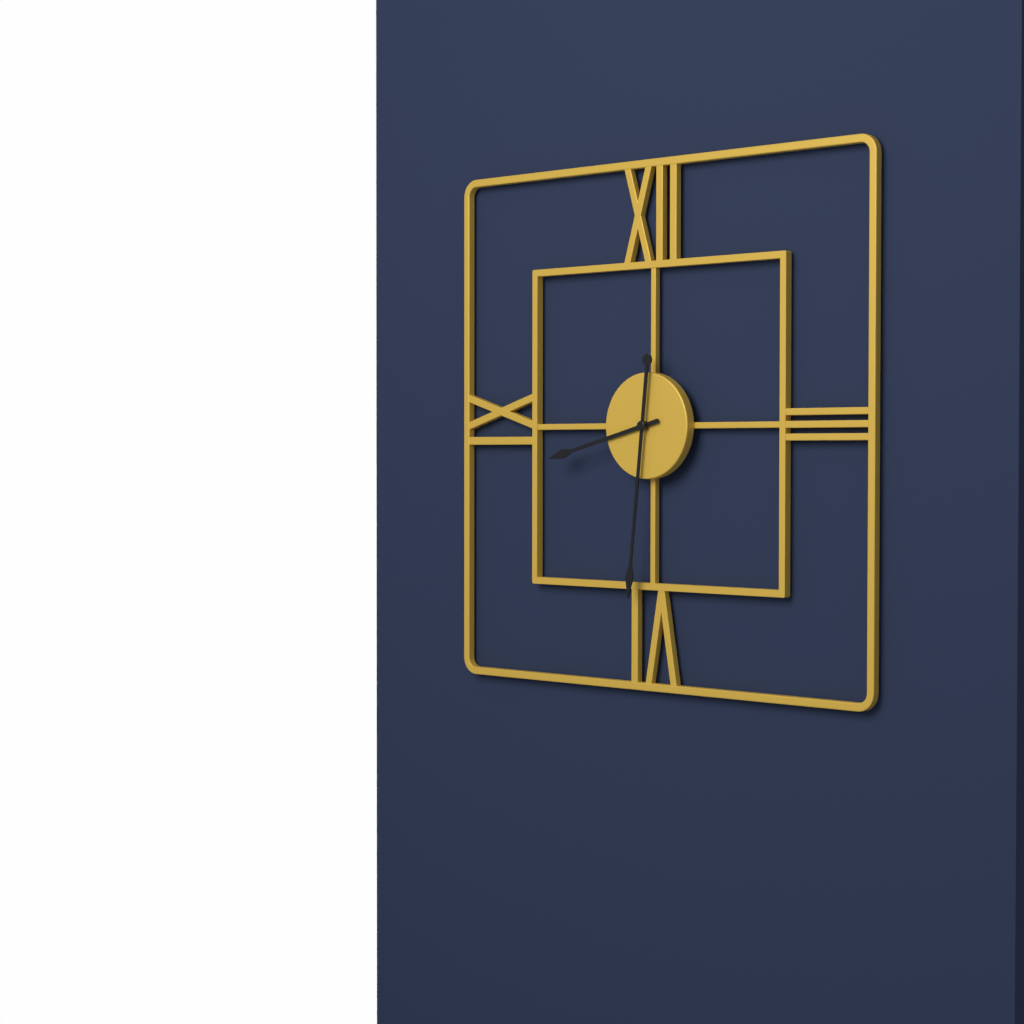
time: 8:31
